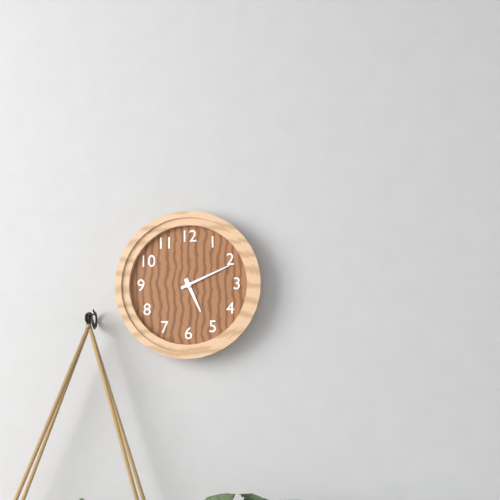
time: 5:11
